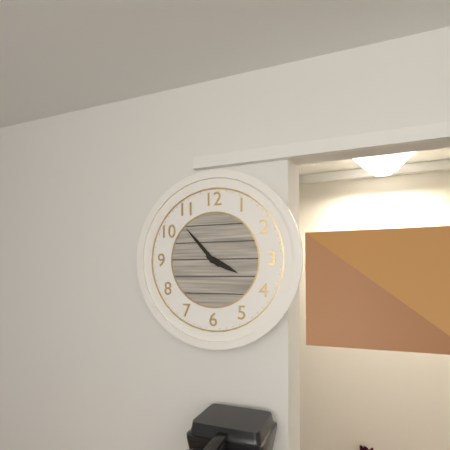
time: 3:53
